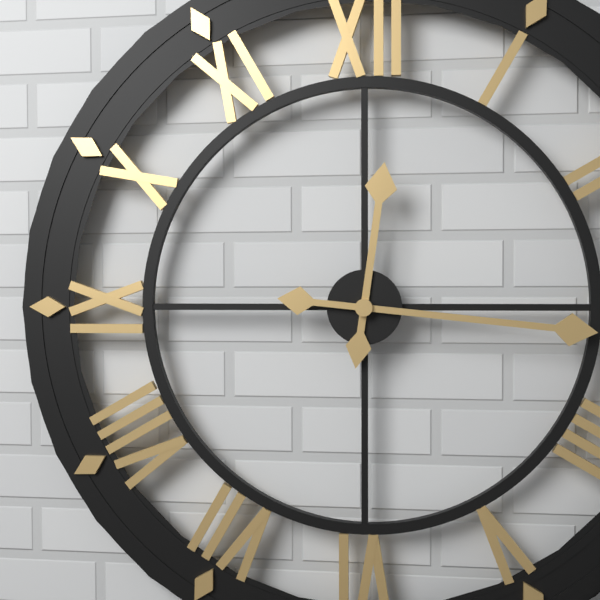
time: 12:16
